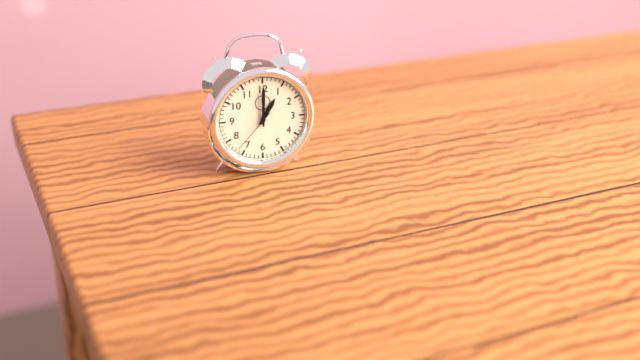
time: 1:00
